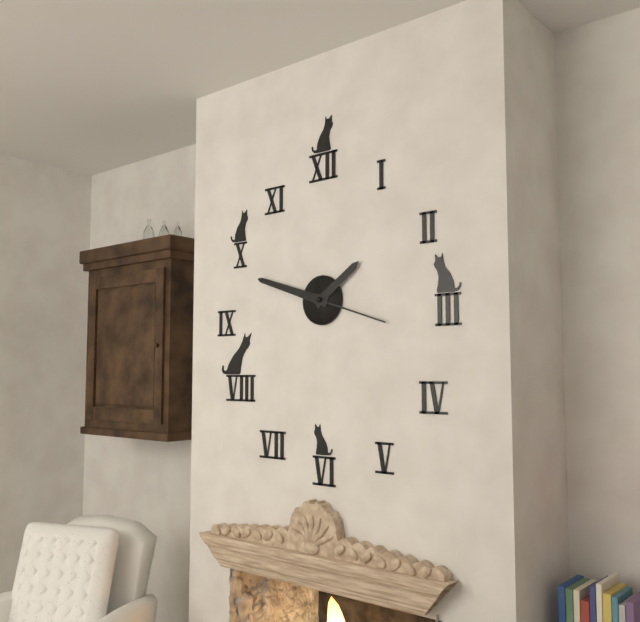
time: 1:48:18
